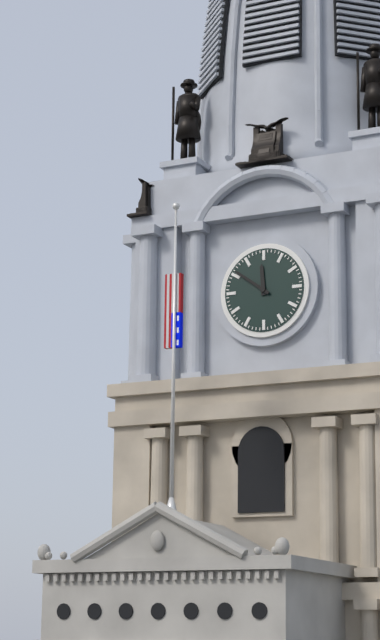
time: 11:51
